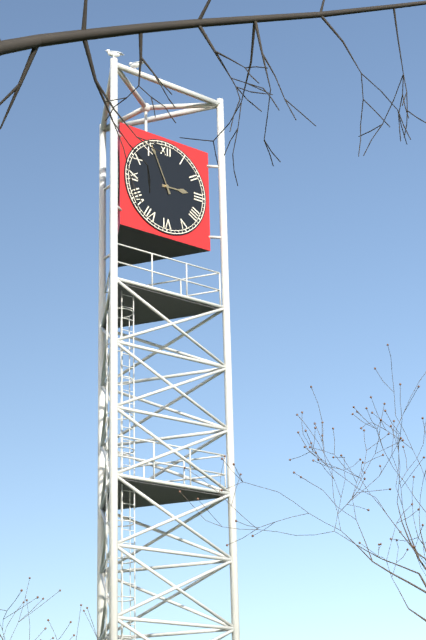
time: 2:56
